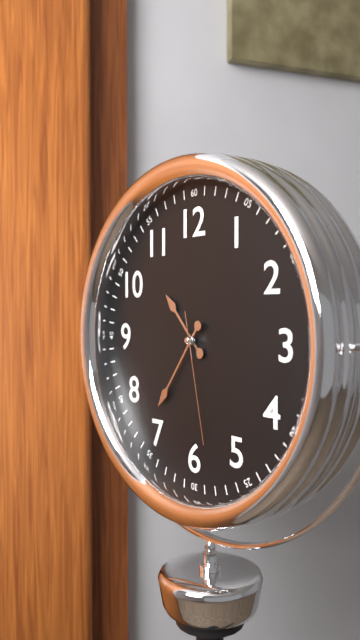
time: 10:36:28
